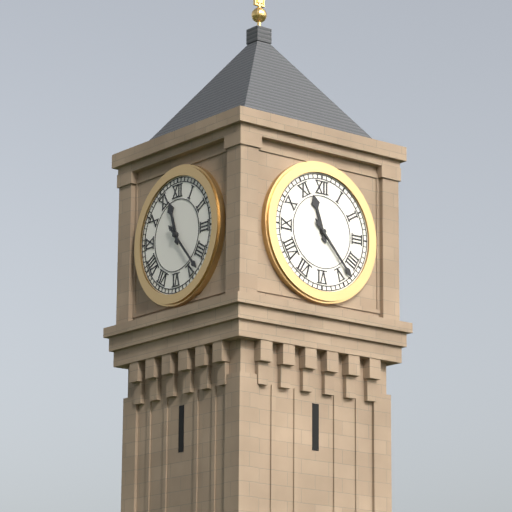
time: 11:23
